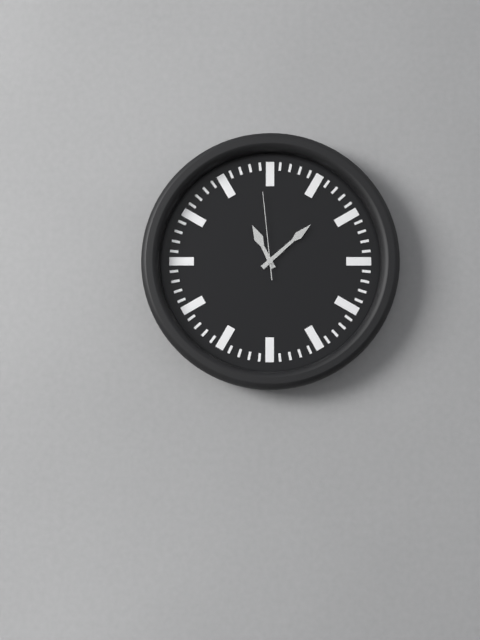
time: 11:08:59
